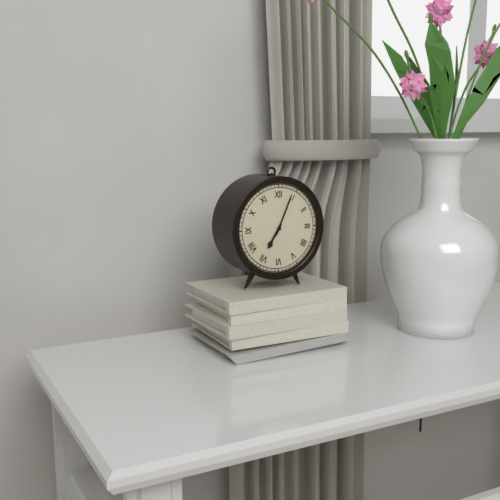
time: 7:04
